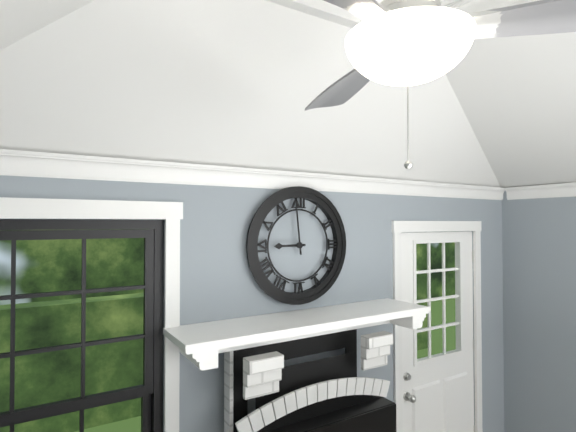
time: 8:59
